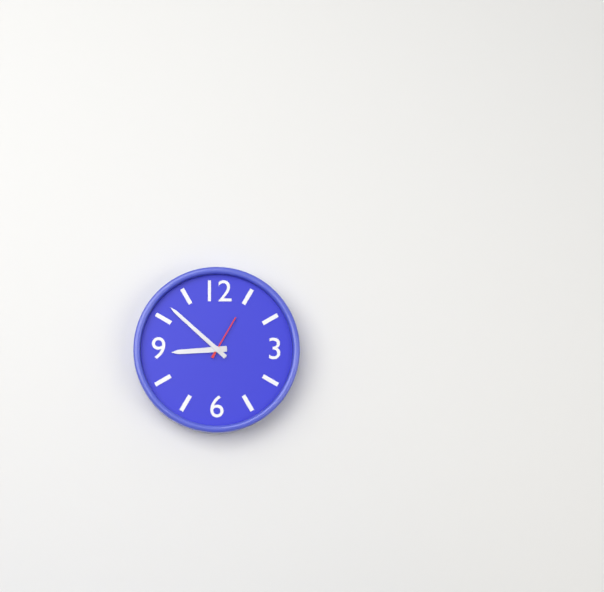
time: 8:52
